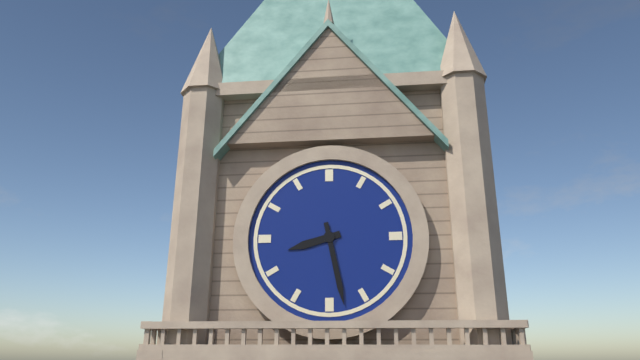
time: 8:28
